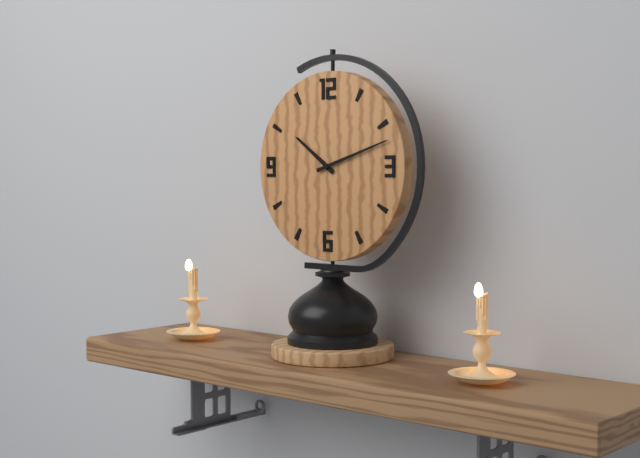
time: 10:12
